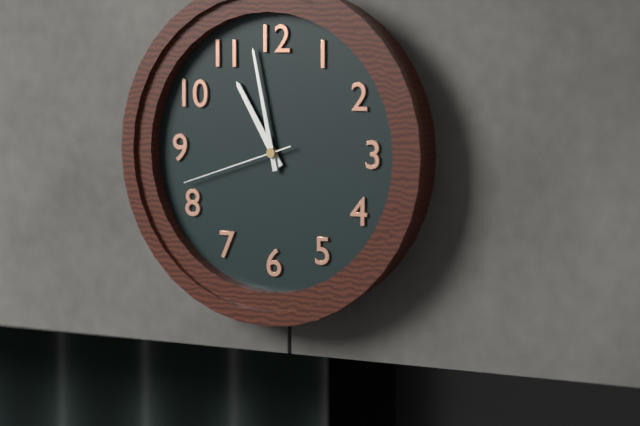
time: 10:58:42
